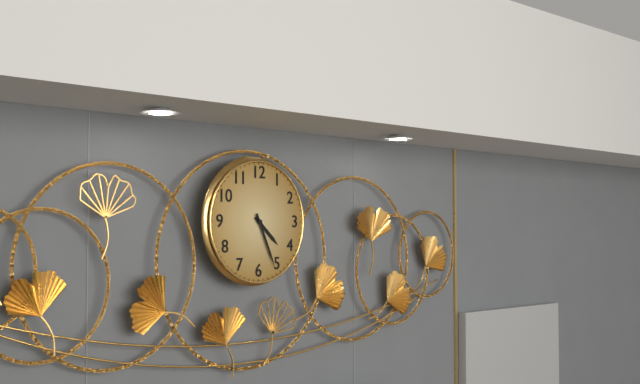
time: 4:26
